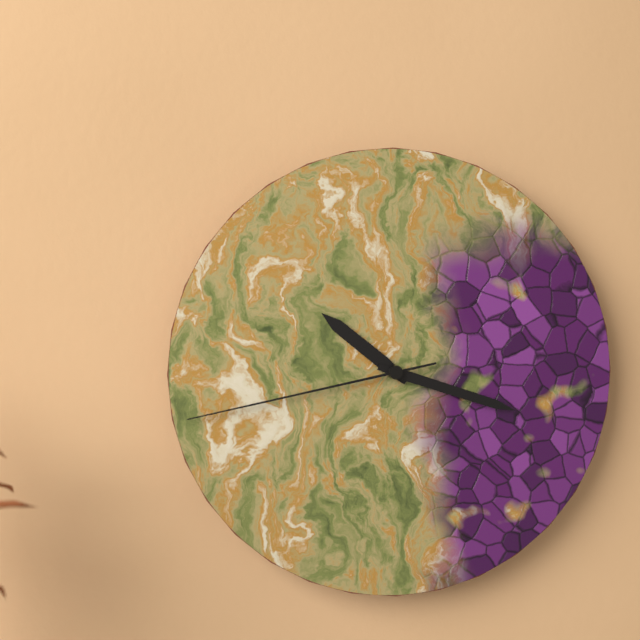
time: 10:18:43
